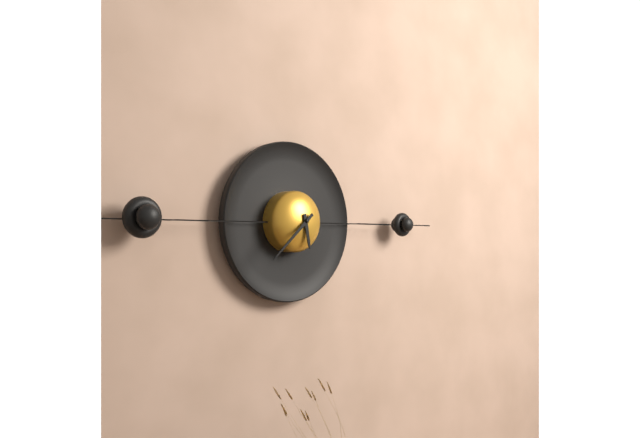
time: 5:38
